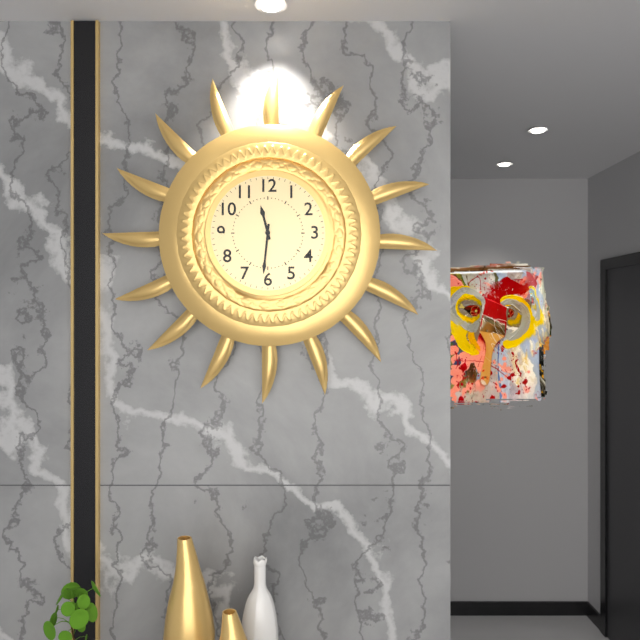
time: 11:31
